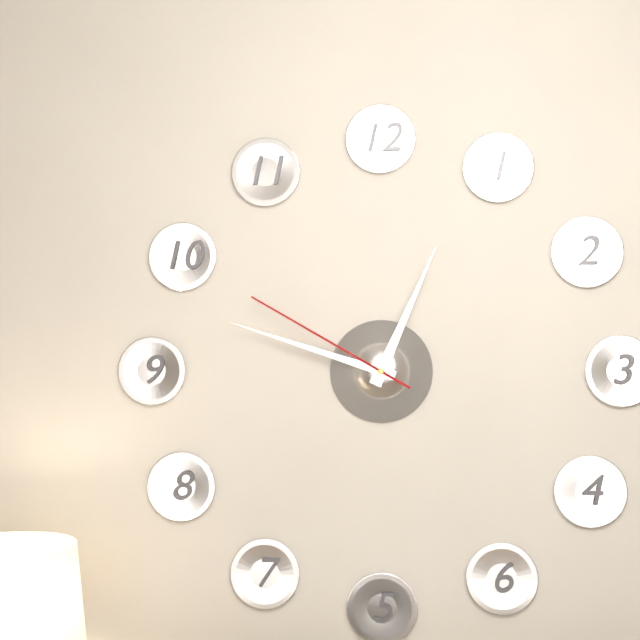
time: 12:48:50
